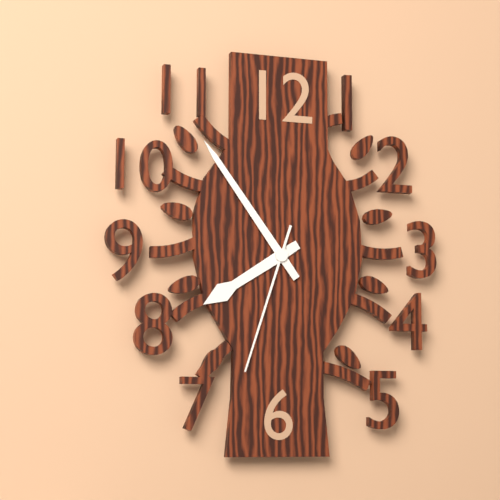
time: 7:54:33
